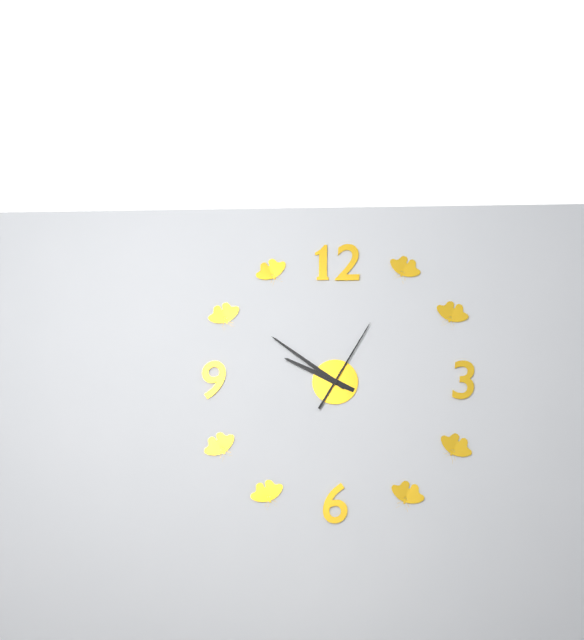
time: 9:51:05
